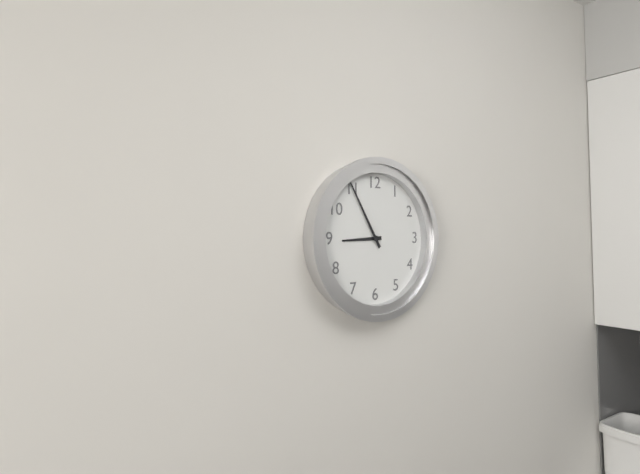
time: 8:55
